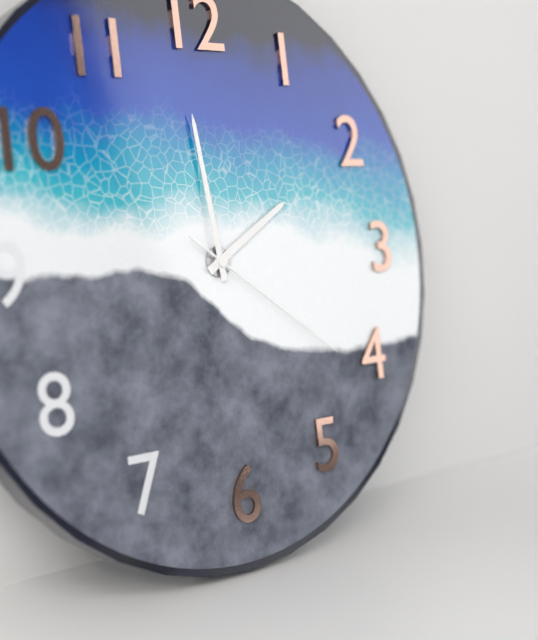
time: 1:59:21
